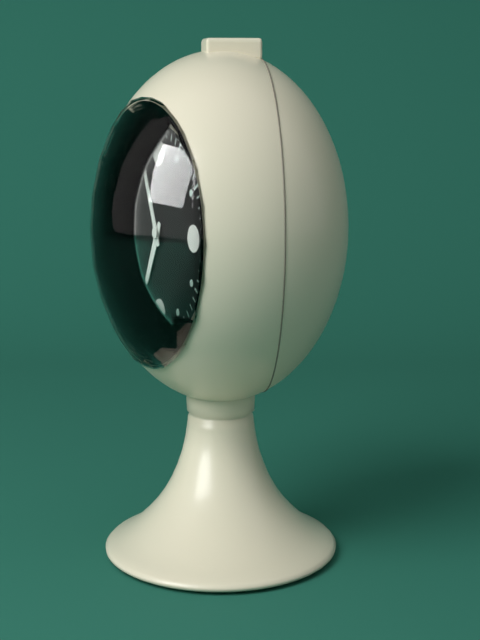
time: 6:56
